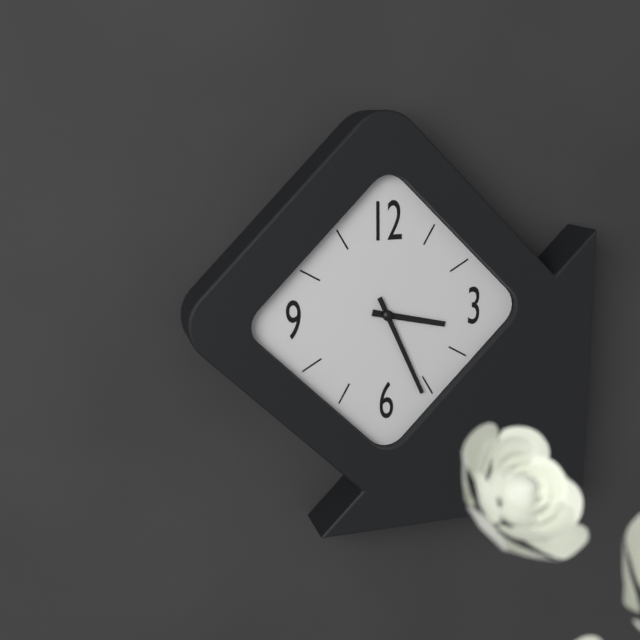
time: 3:26
